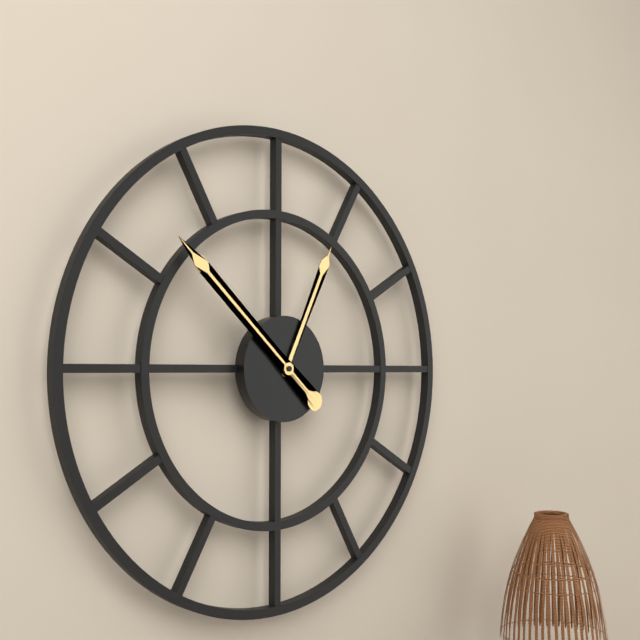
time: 12:52
